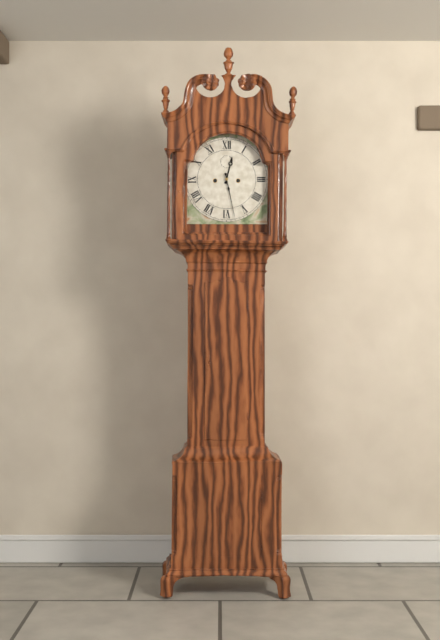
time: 12:28
